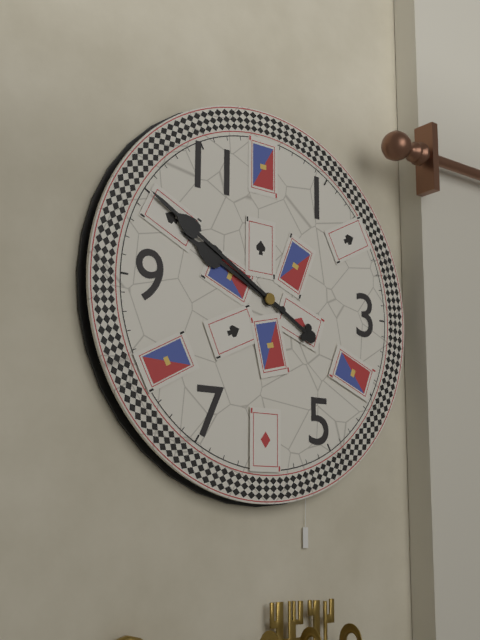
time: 9:50
